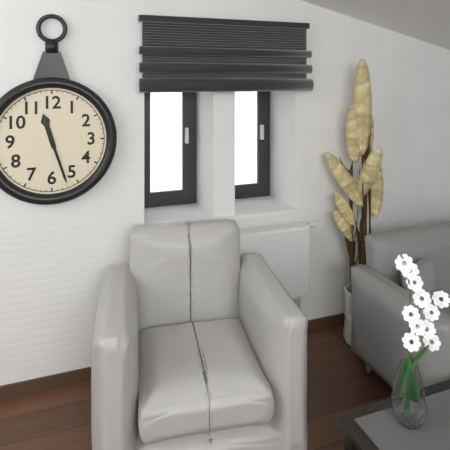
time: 11:27
